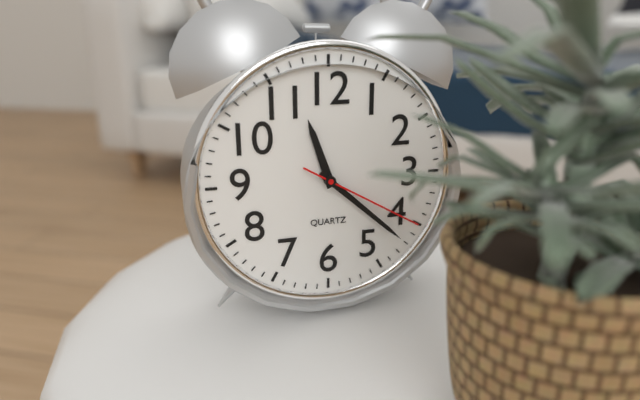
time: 11:22:20
